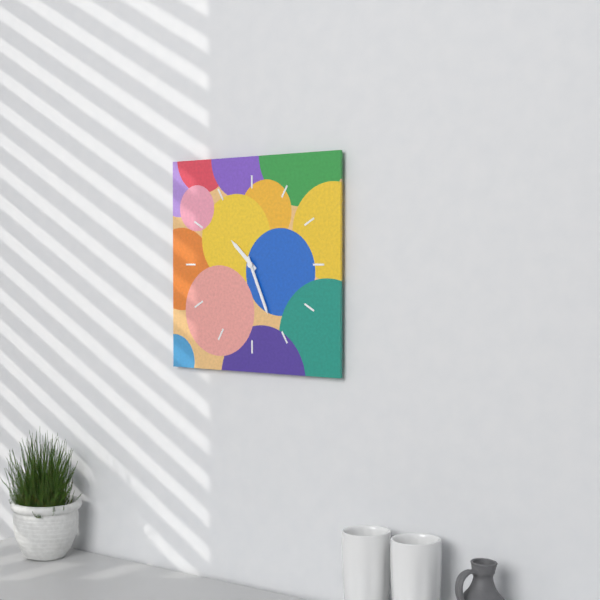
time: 10:26
